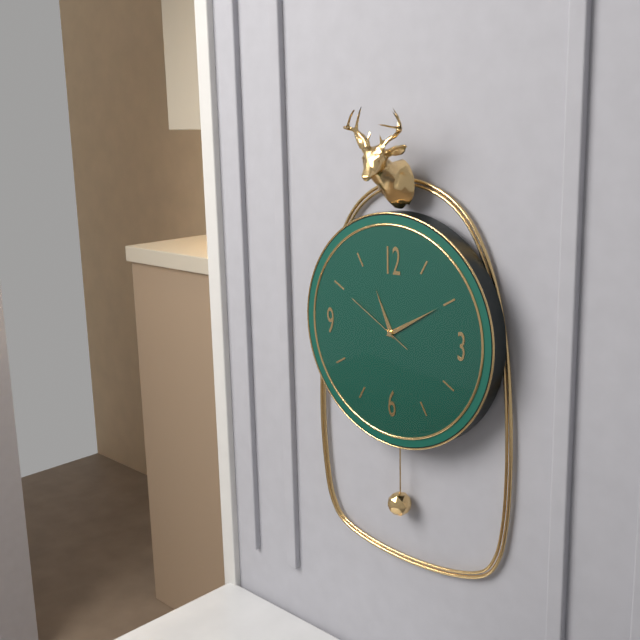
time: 11:10:50
